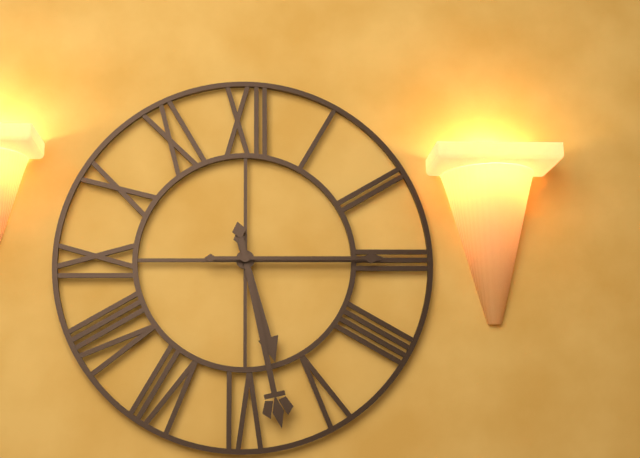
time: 5:28:15
